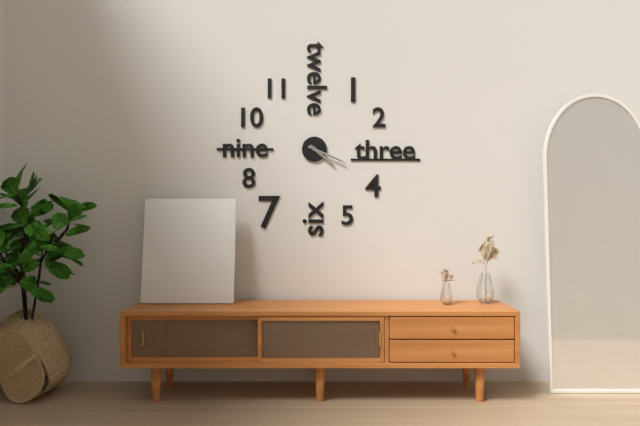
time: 4:19
